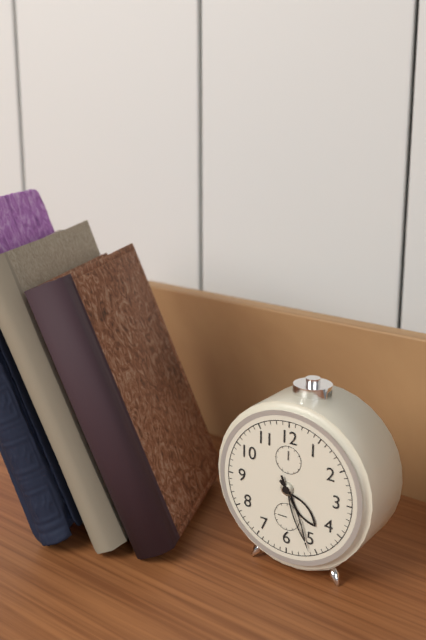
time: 4:26
